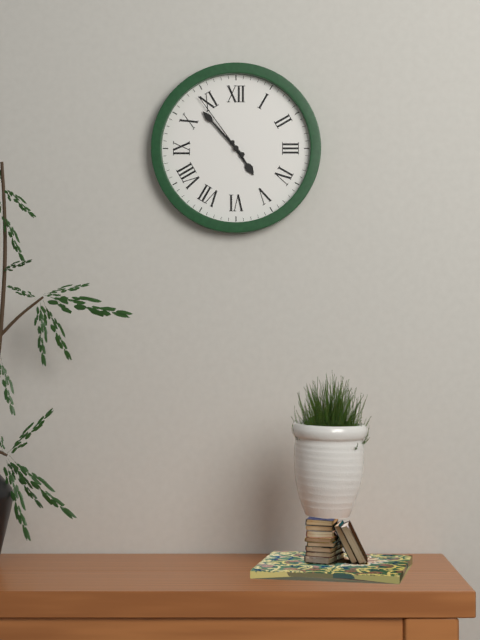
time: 4:53:54
